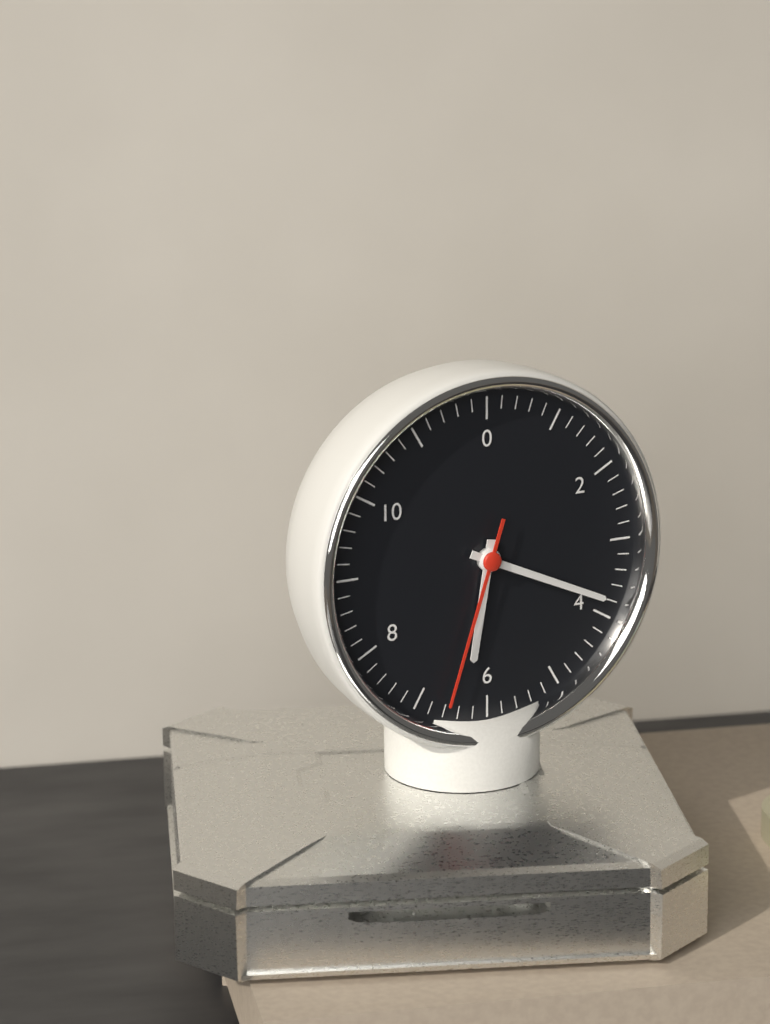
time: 6:19:33
